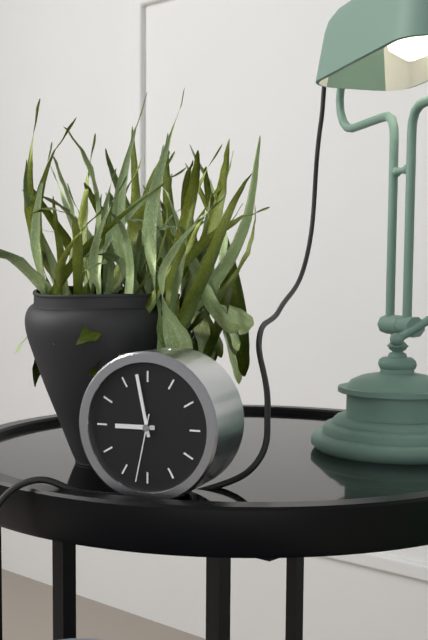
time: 8:58:32
